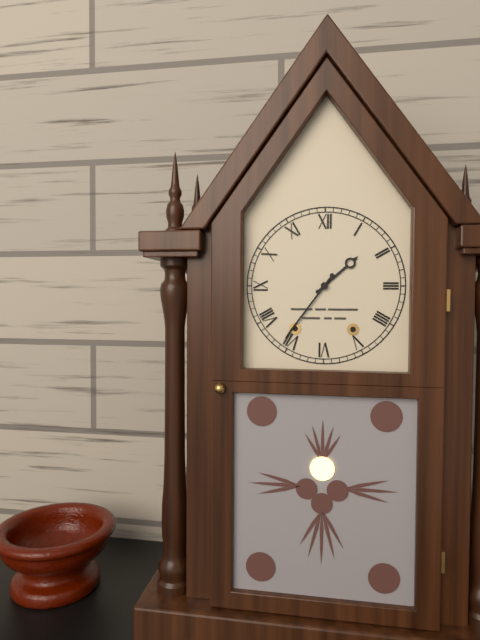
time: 1:36
